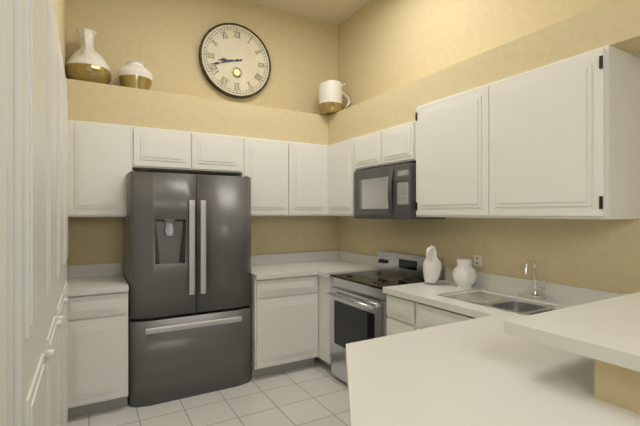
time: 8:42
